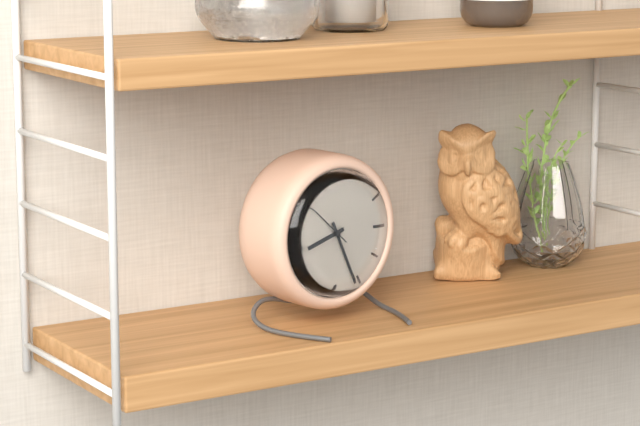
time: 8:26
